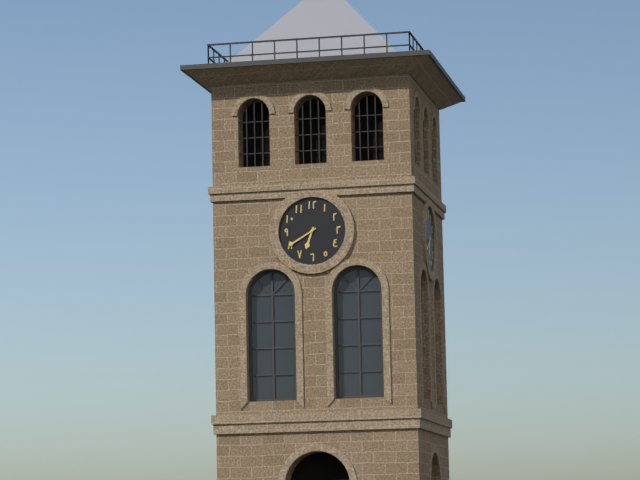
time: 6:40
